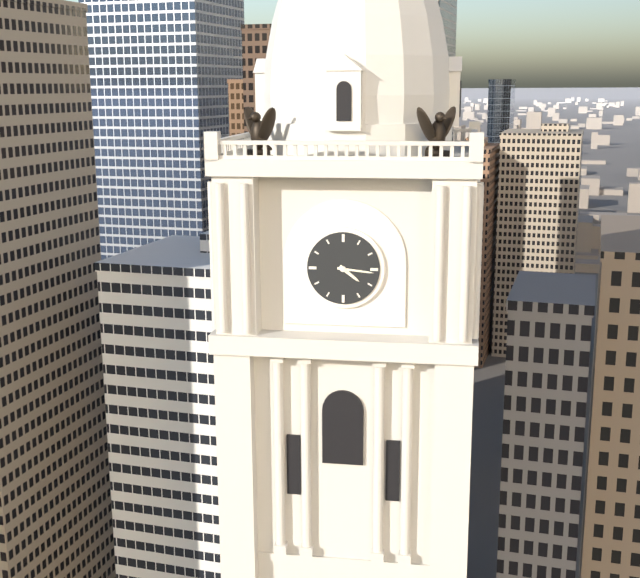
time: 4:16
